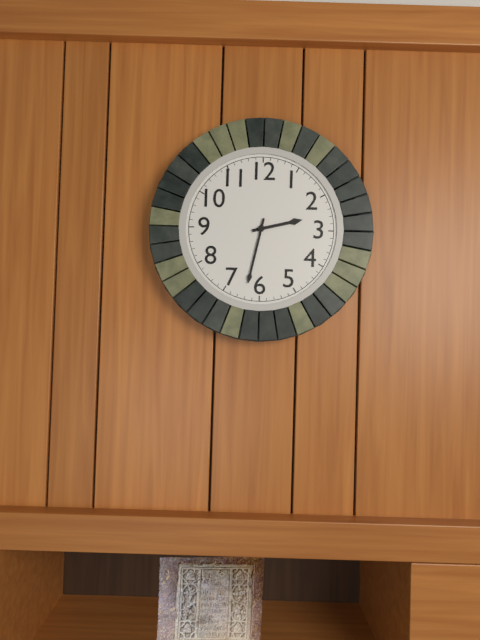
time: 2:32
